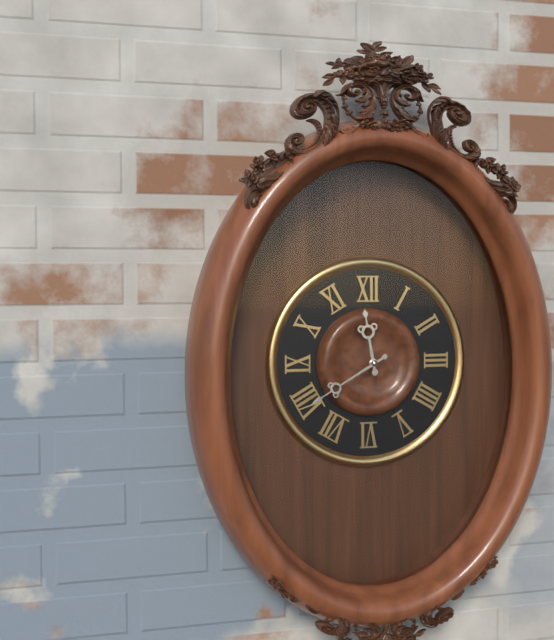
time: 11:40
